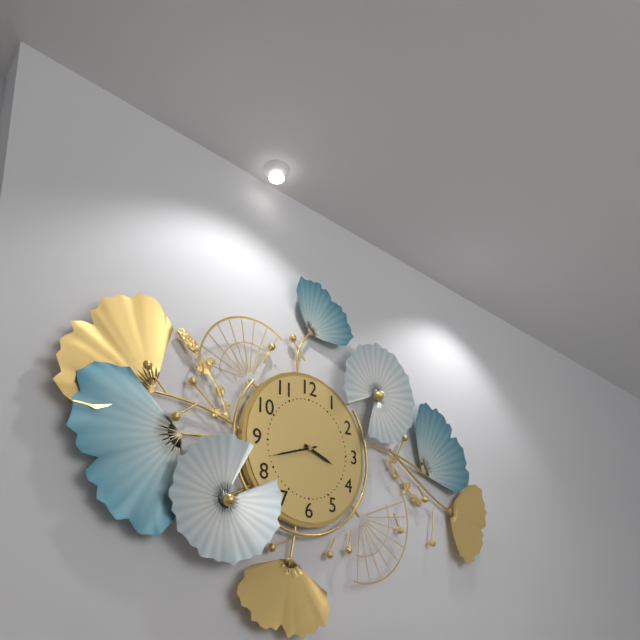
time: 3:42
